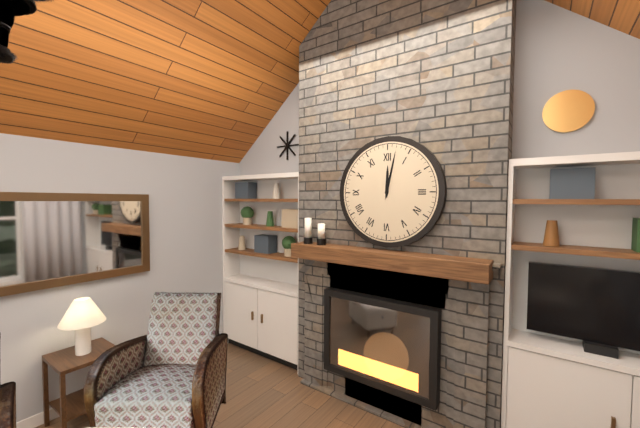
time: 12:02
